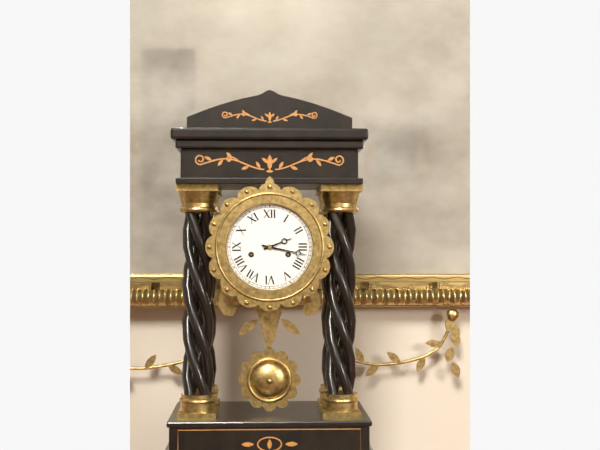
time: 2:17
